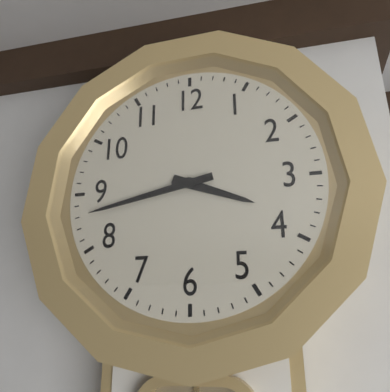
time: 3:43
